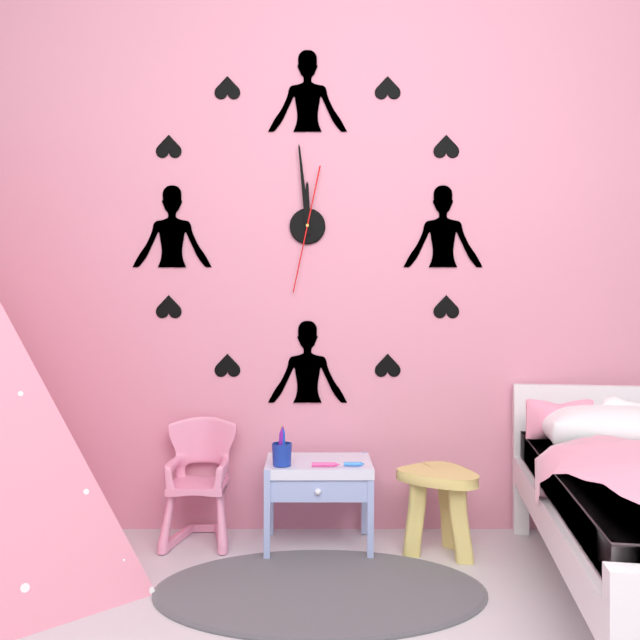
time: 11:59:32
